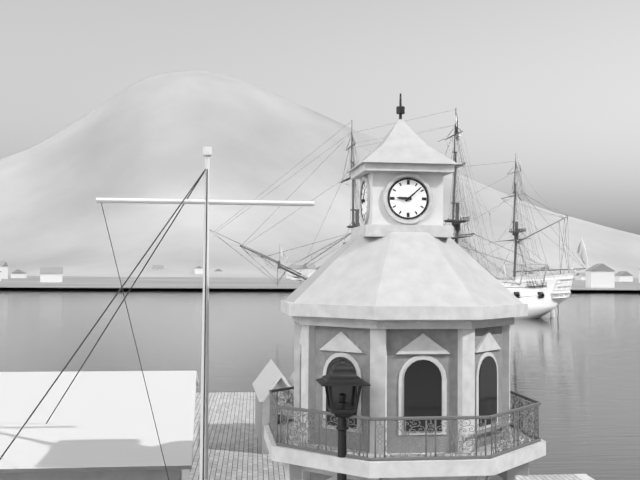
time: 9:08
